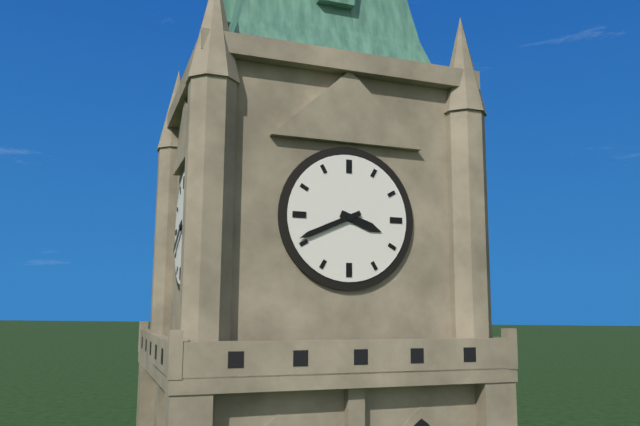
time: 3:41
